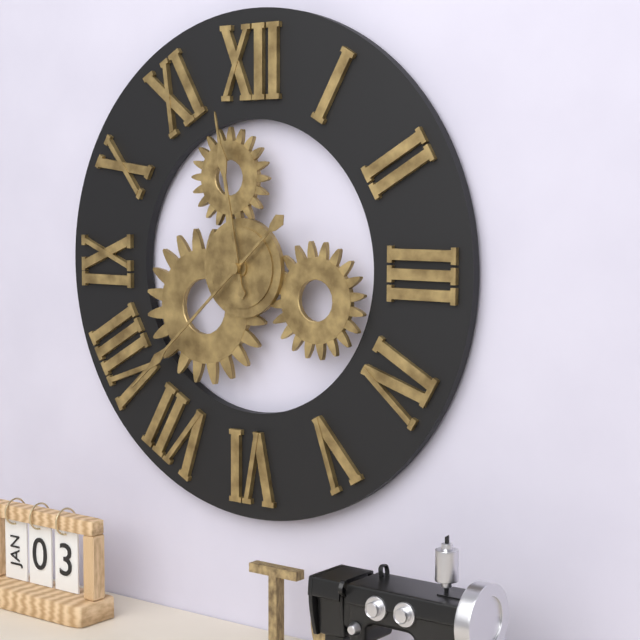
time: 11:38
